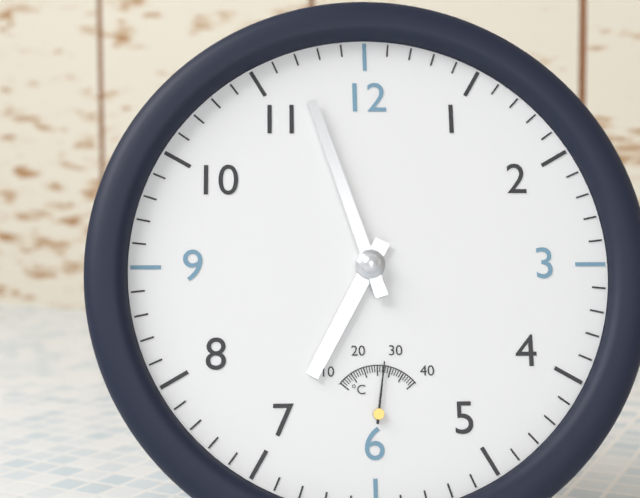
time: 6:57
